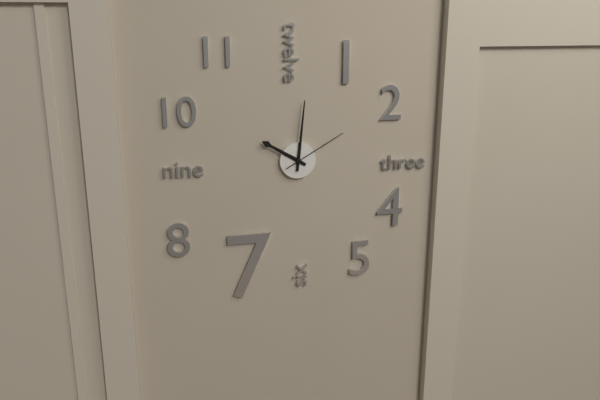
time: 10:01:10
